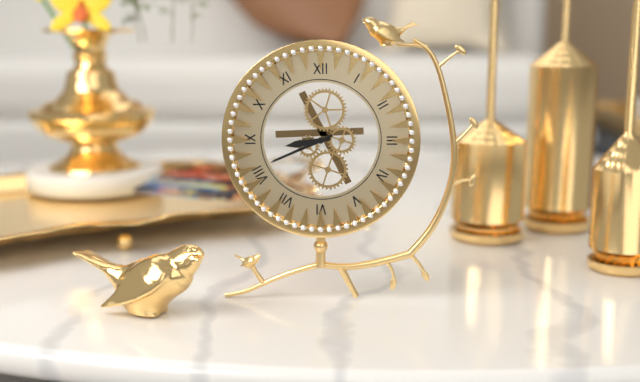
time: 8:41
